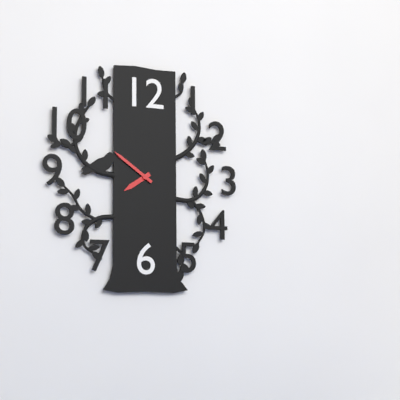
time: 7:51
